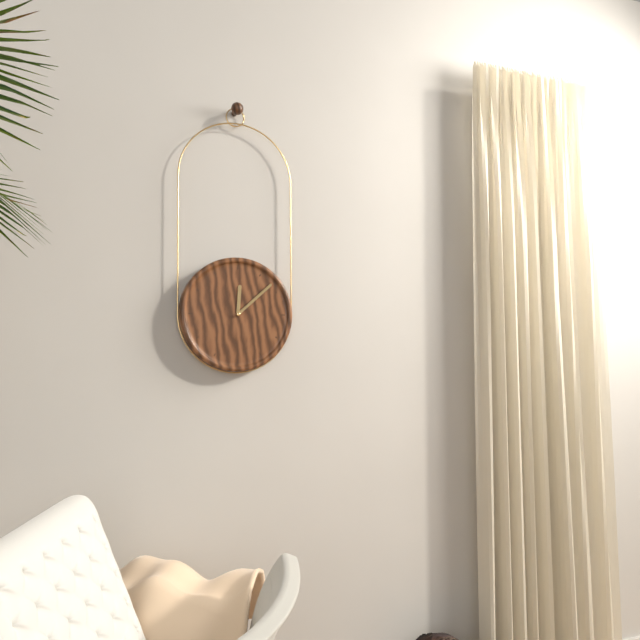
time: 12:08
